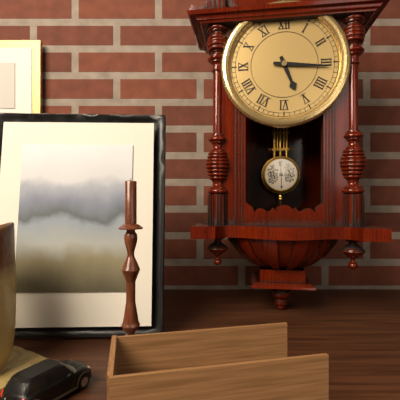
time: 5:16
